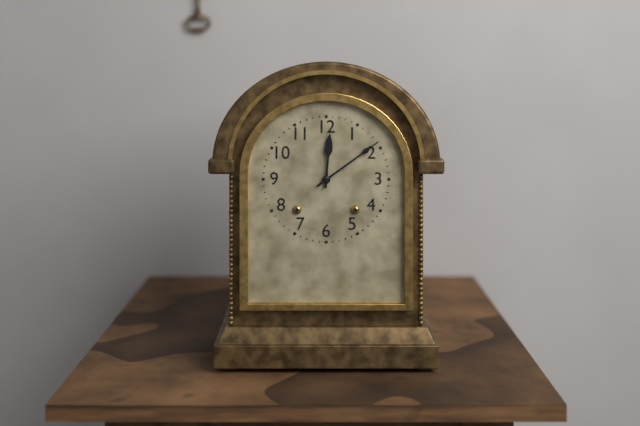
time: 12:09
